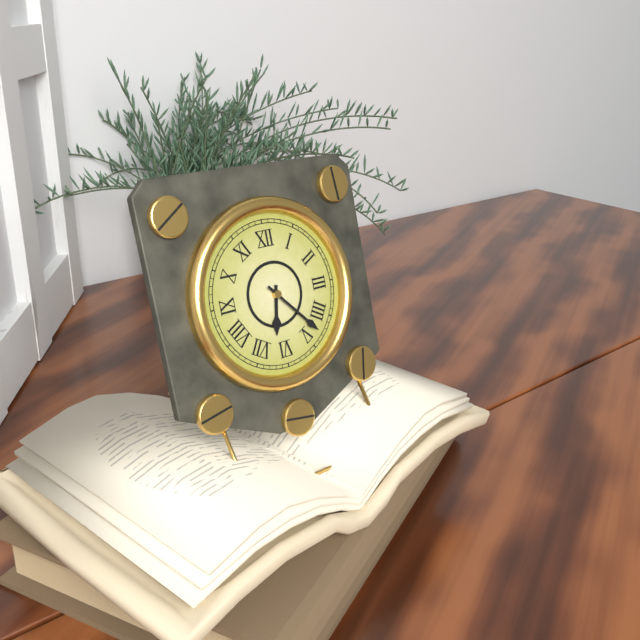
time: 6:23
